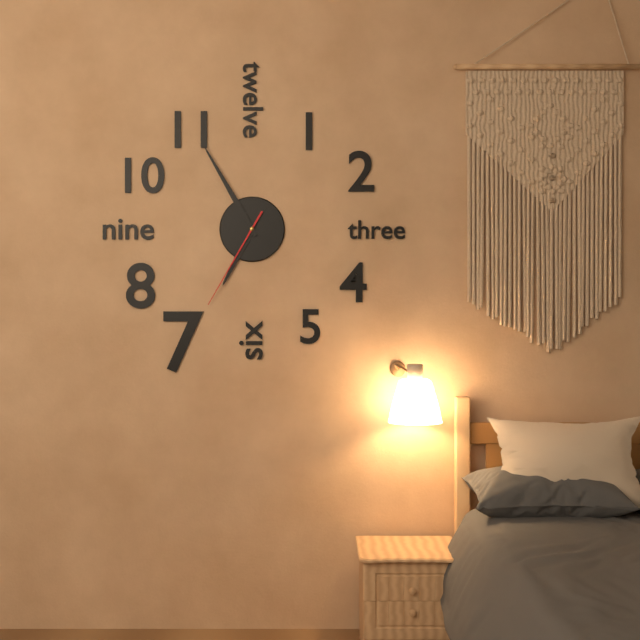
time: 6:55:35
